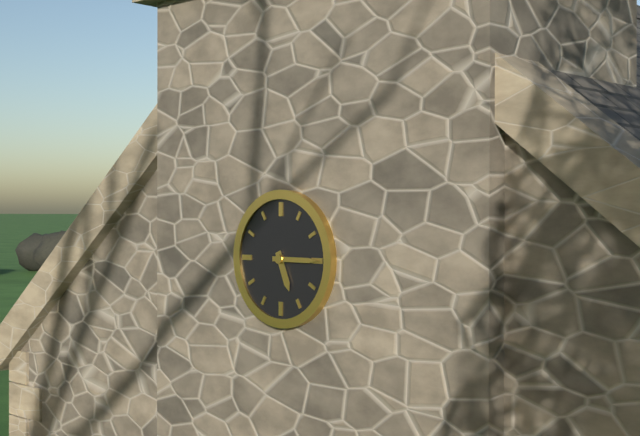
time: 5:15
